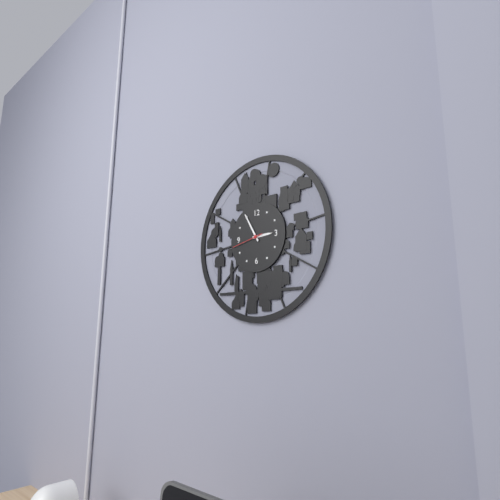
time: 2:55
